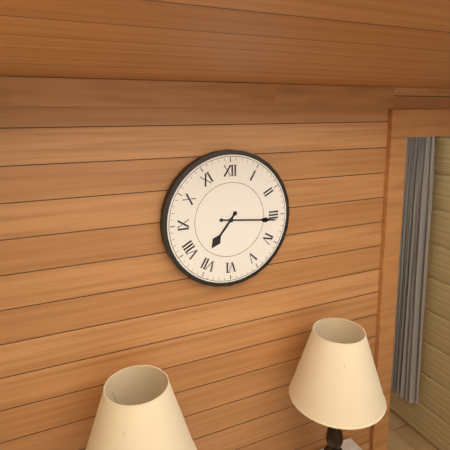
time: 7:16
